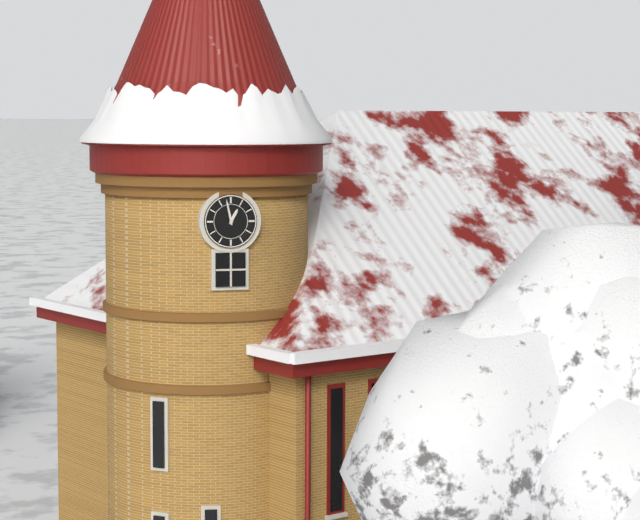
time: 12:58
